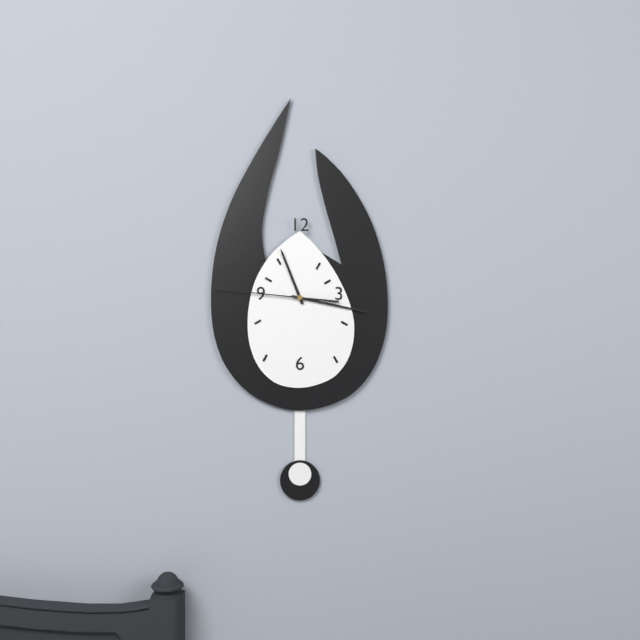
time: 11:17:46
